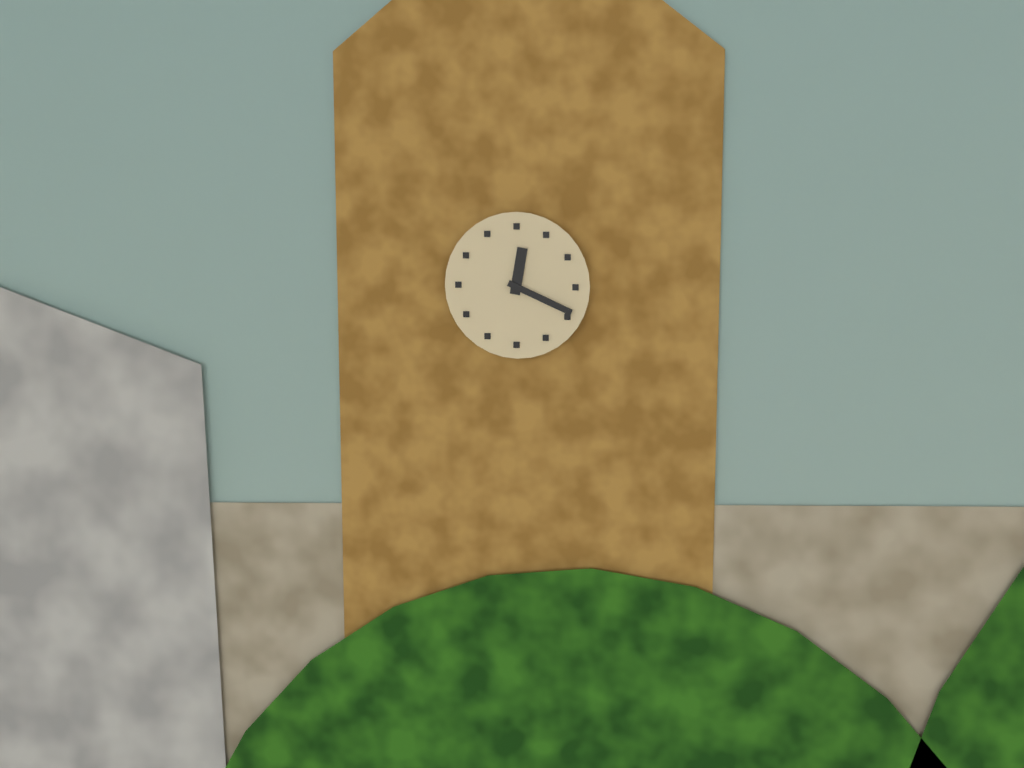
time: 12:19
